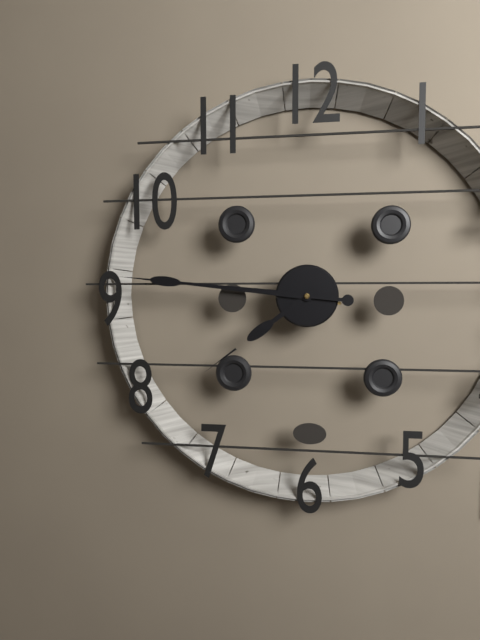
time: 7:46
